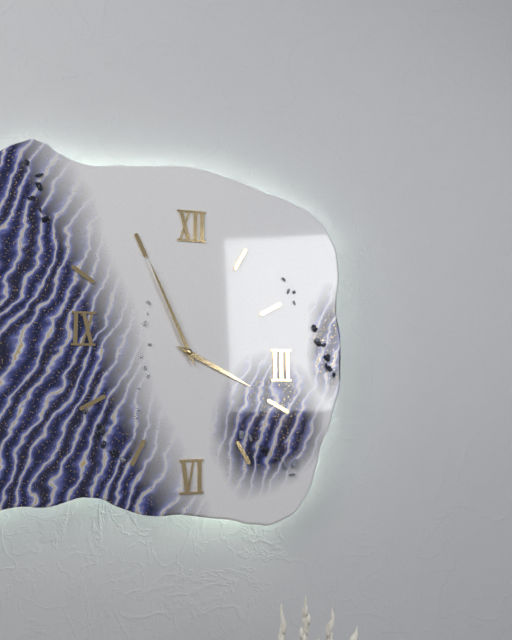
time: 3:56
